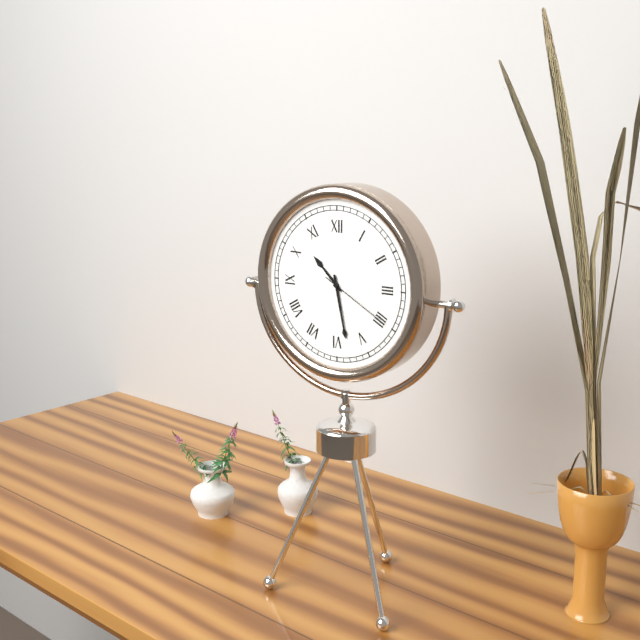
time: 10:28:20
